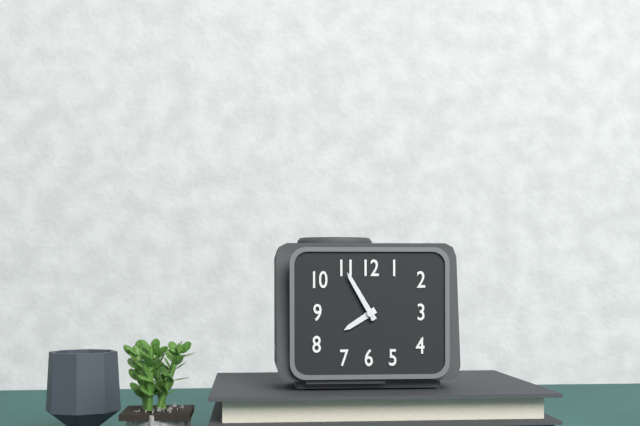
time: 7:55
